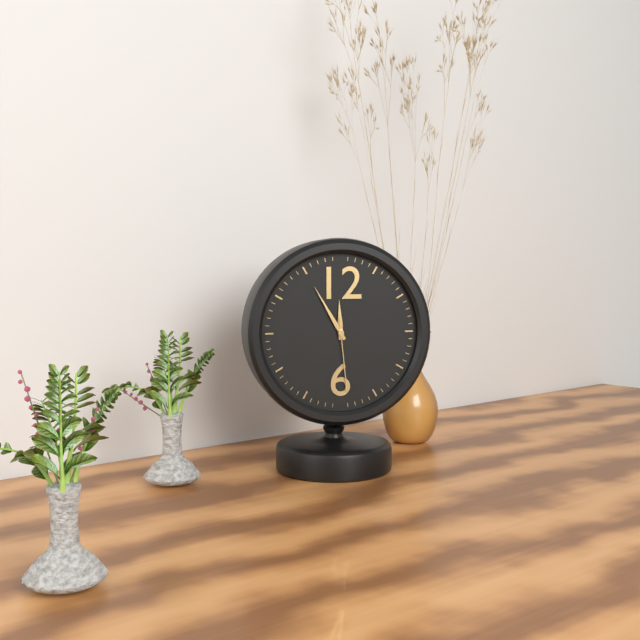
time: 11:55:29
